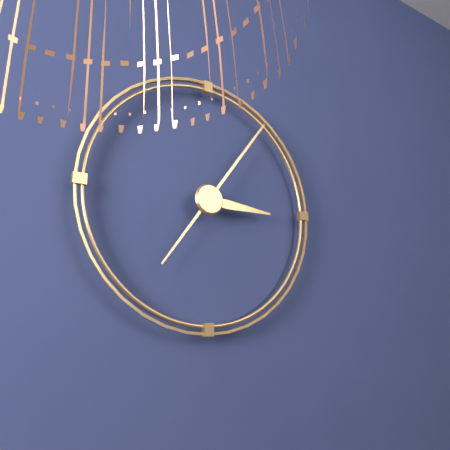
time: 3:06
